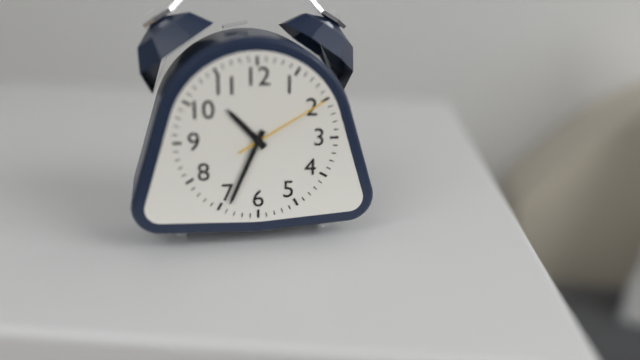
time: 10:34:10
